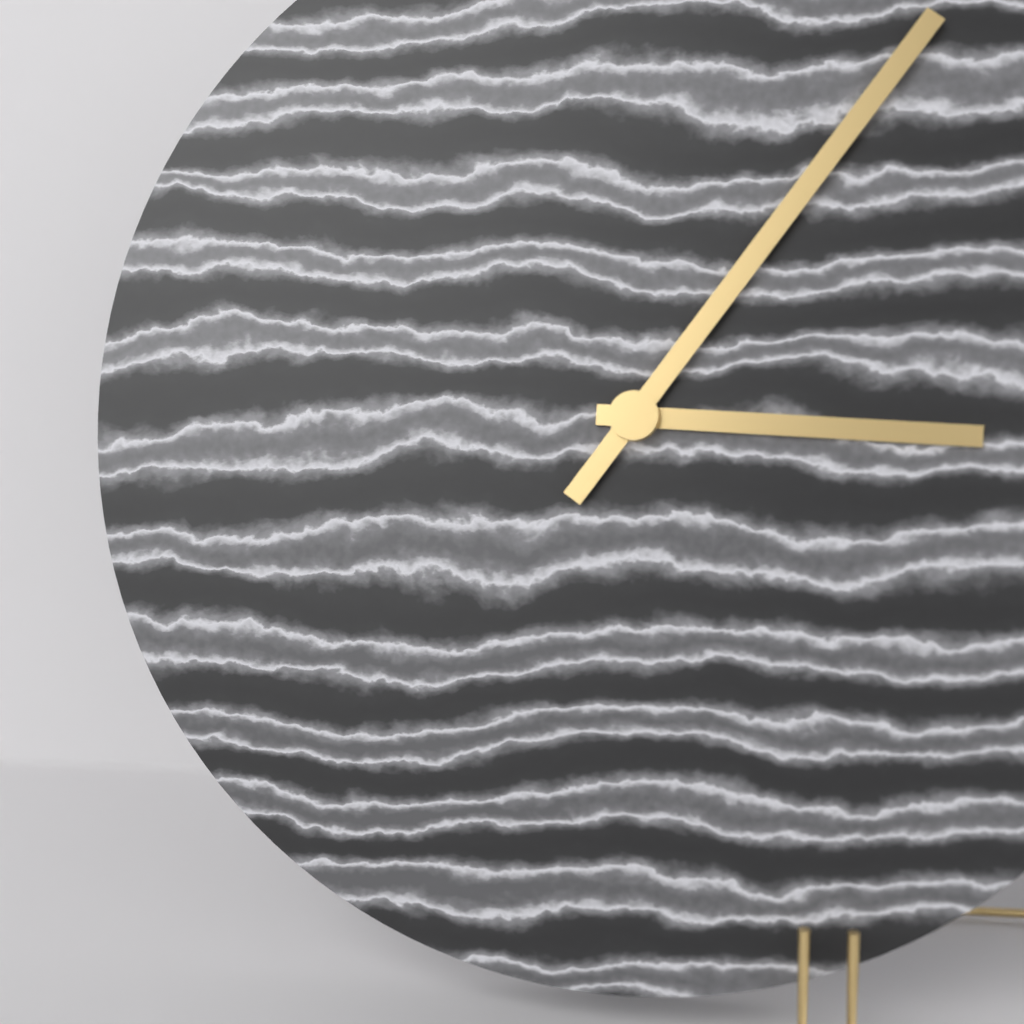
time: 3:06
